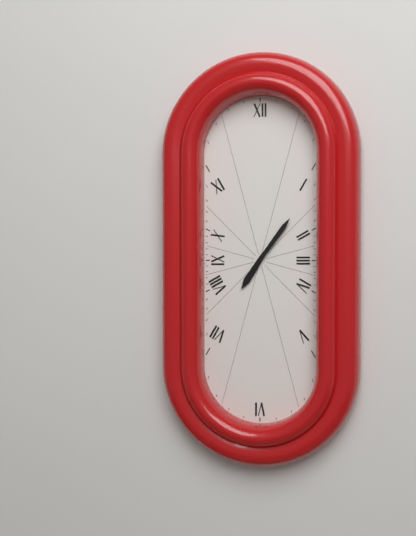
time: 7:06
